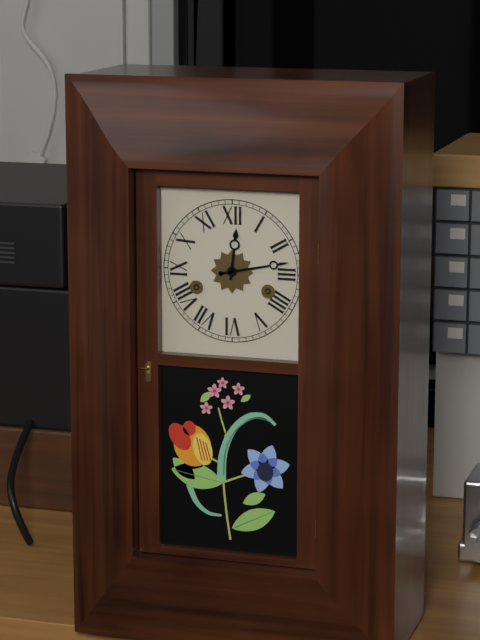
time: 12:13
